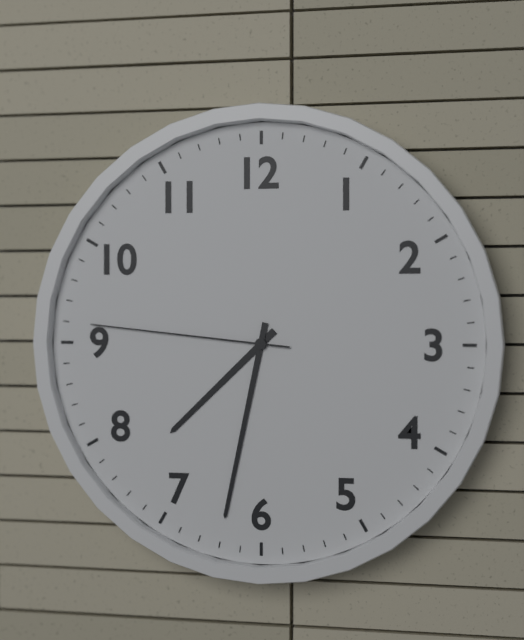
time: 7:32:46
